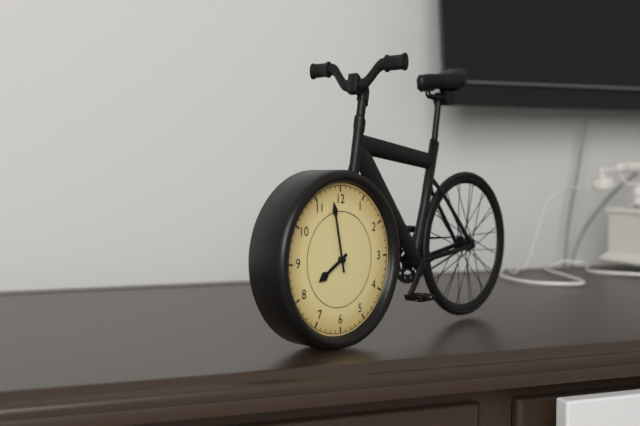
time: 7:58
